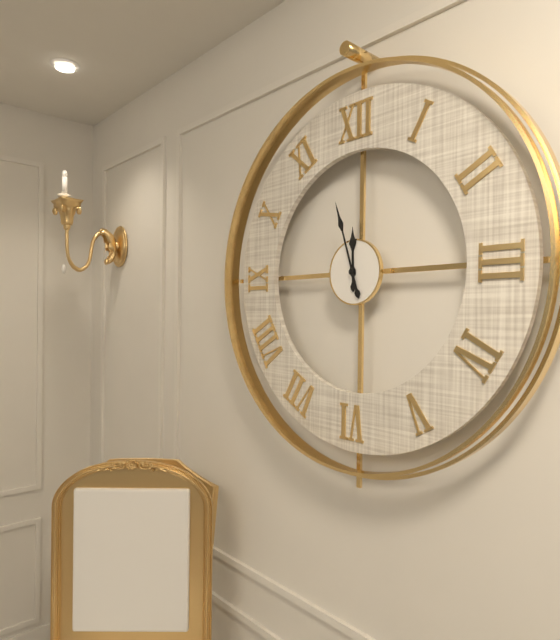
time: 11:57
